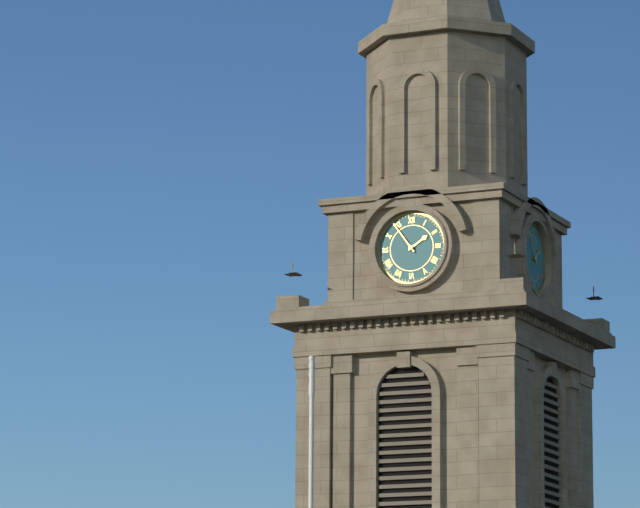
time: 1:54
